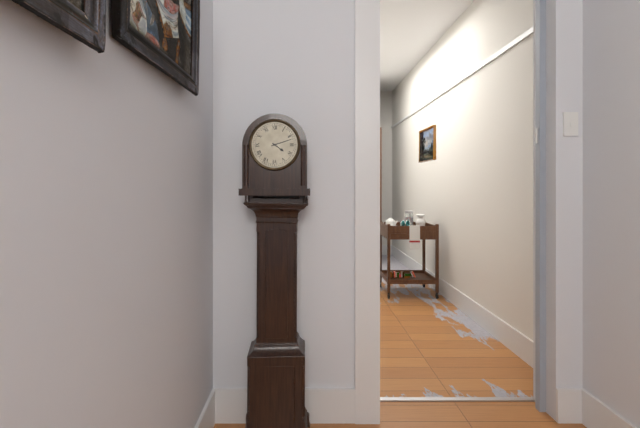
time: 4:12
